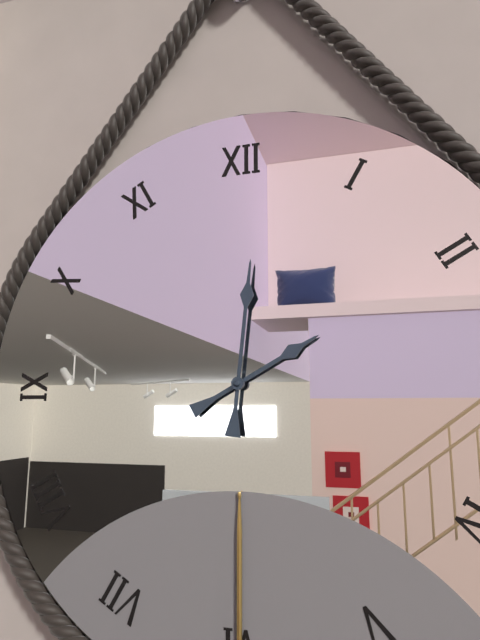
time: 2:01
